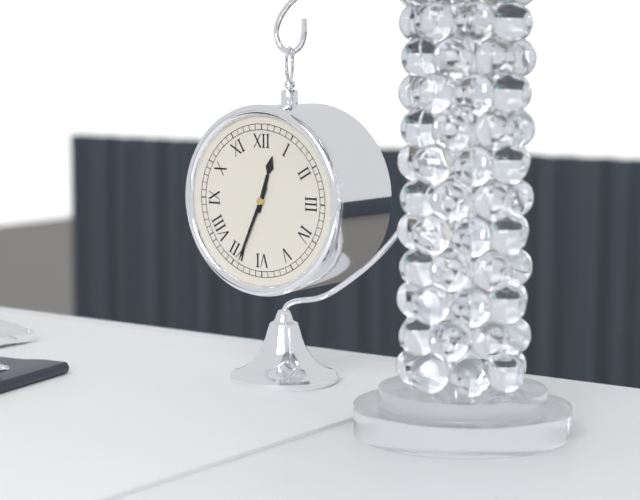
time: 12:34
